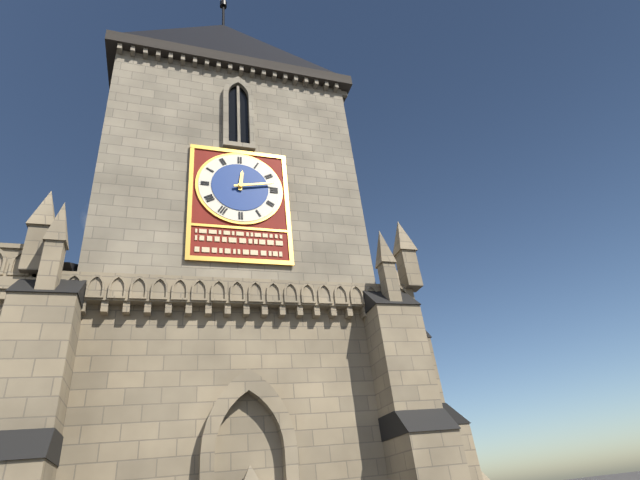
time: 12:13
